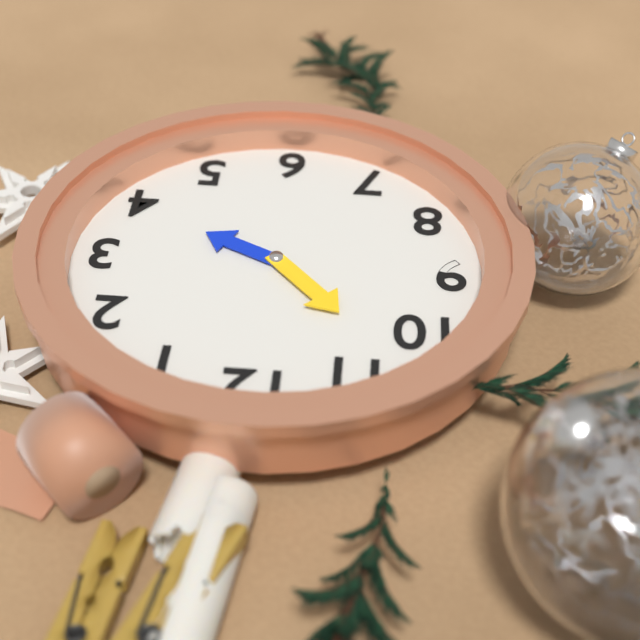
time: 3:53
